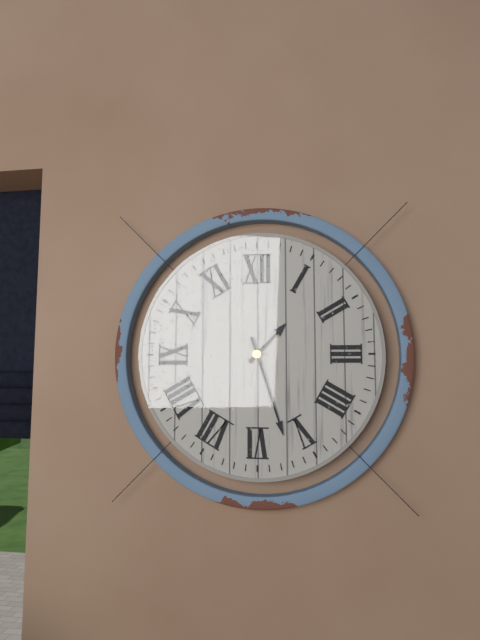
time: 1:27
